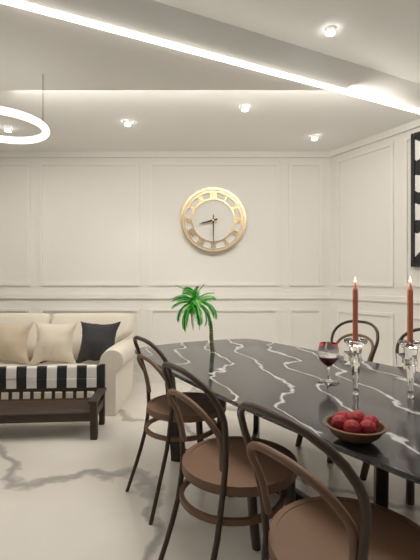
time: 8:30
